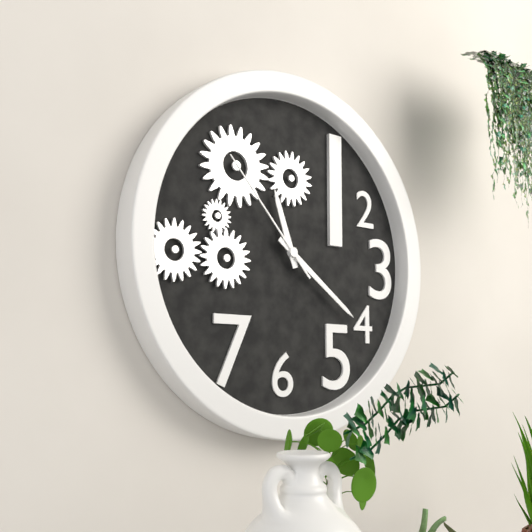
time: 11:21:53
